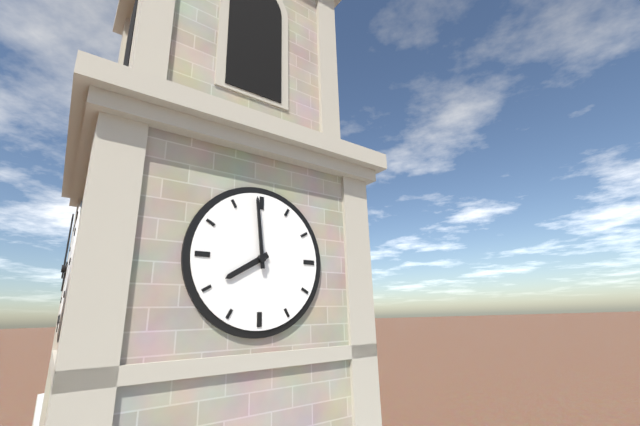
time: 7:59
